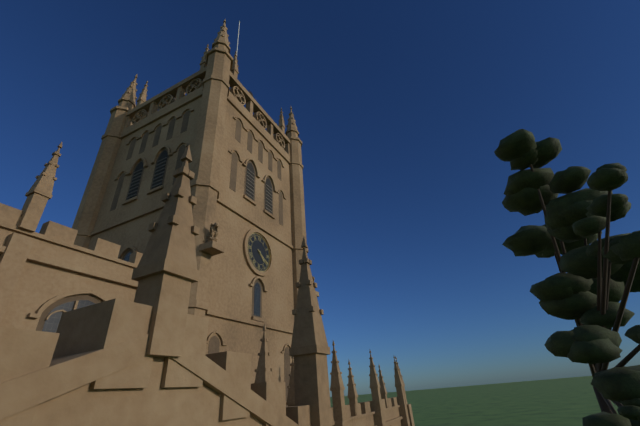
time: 4:20
